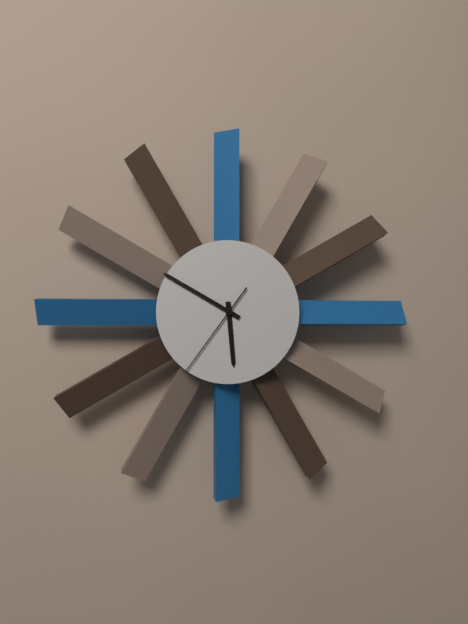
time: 5:50:36
